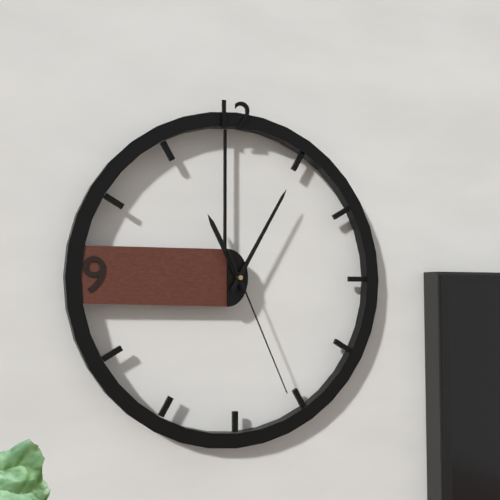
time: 11:05:26
